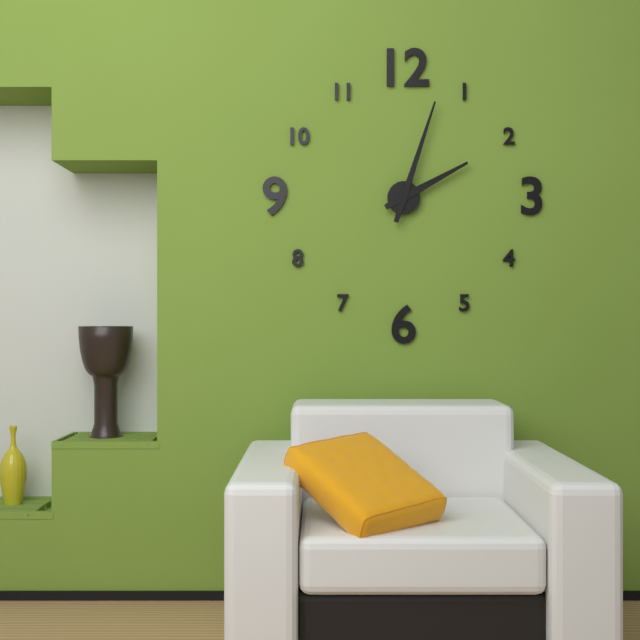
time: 2:03
